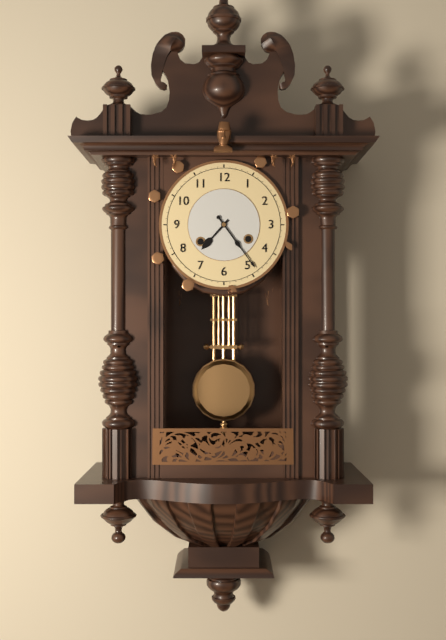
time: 7:24
